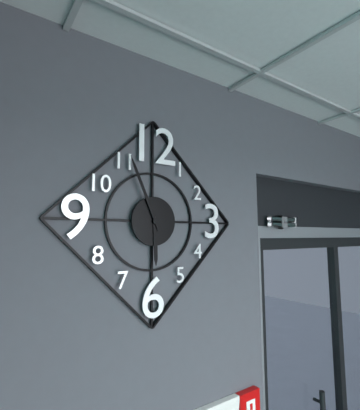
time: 5:56
